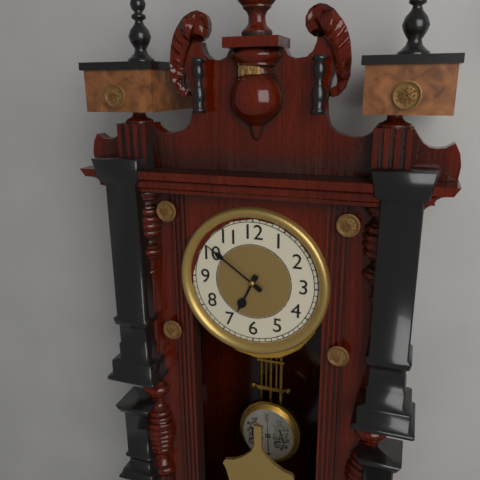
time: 6:51
